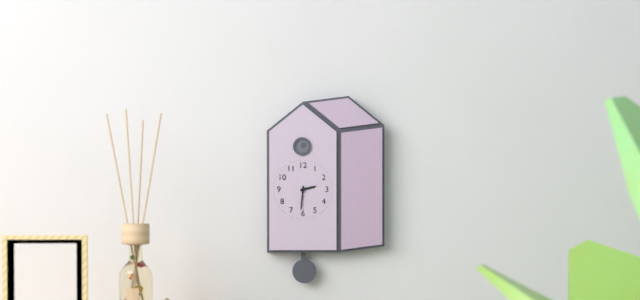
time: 2:31
